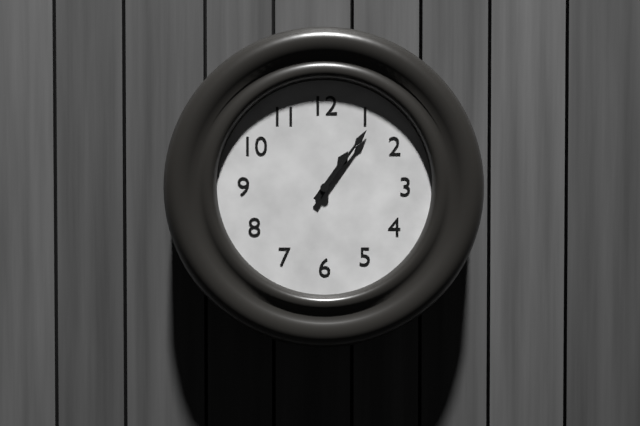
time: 1:06
